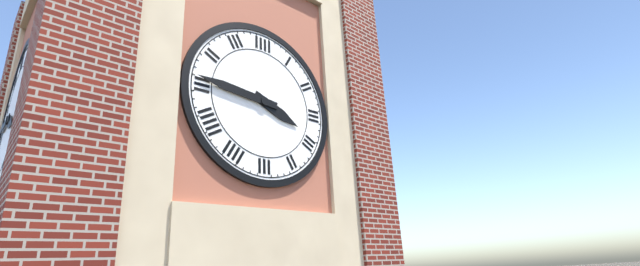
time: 3:46
